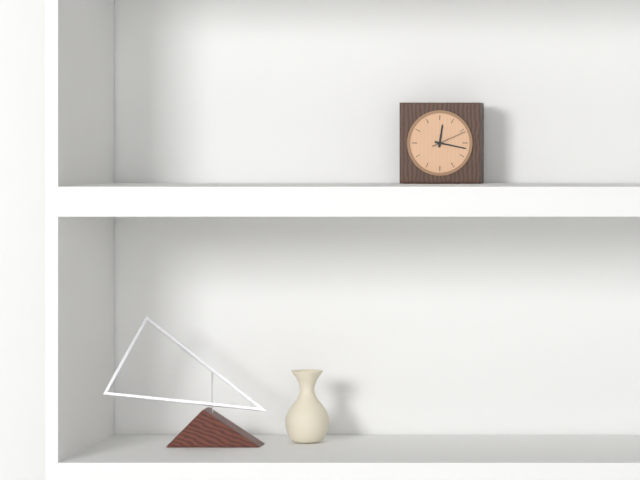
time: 12:17
